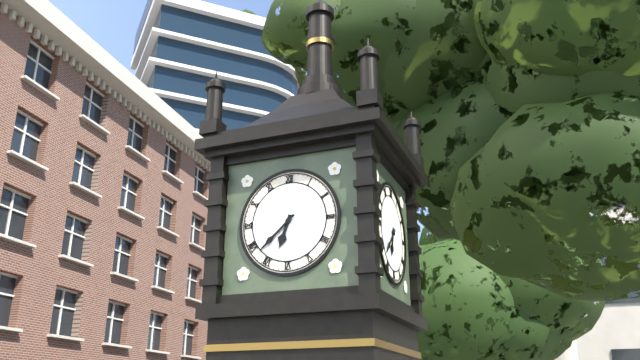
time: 6:38
